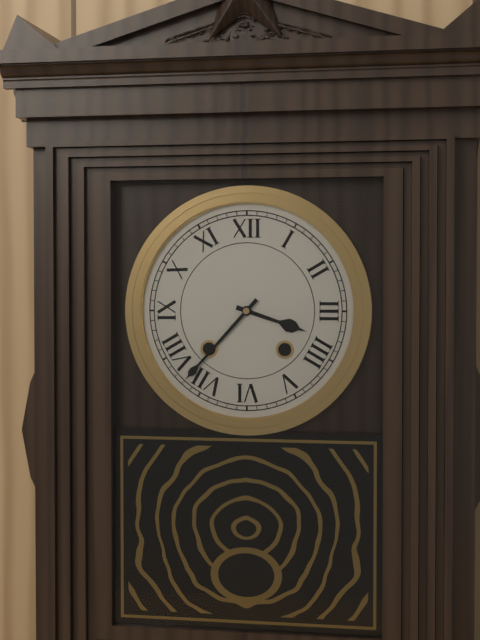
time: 3:37
